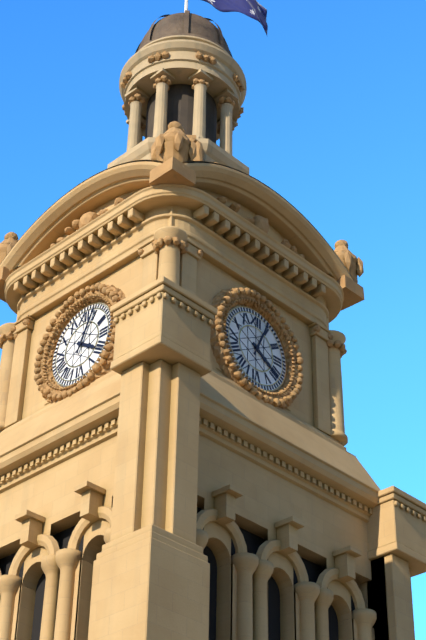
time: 4:04
